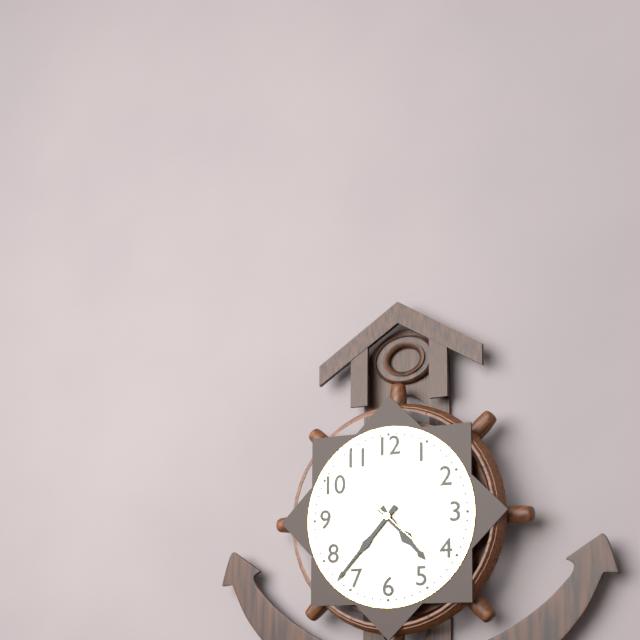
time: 4:37:22
